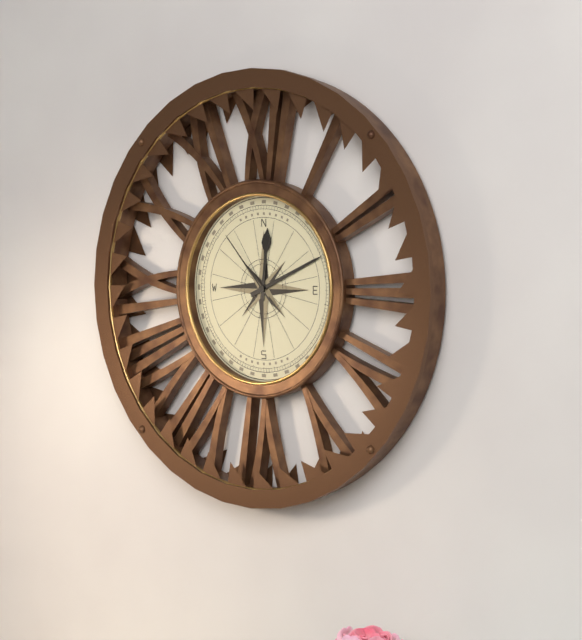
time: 12:11:53
